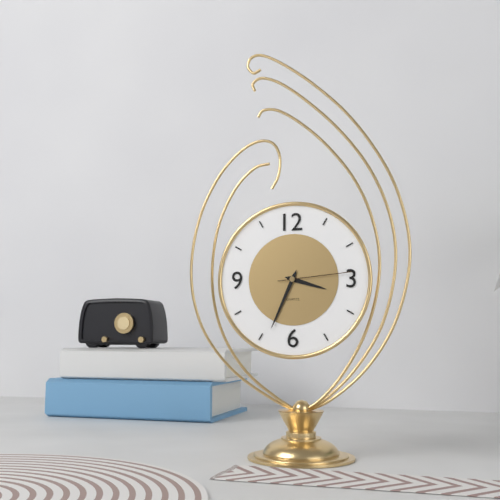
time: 3:34:14
